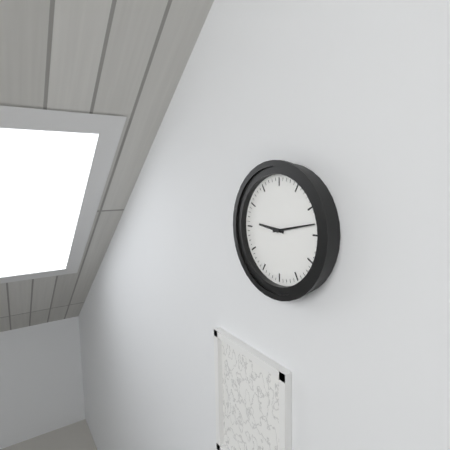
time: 9:13
